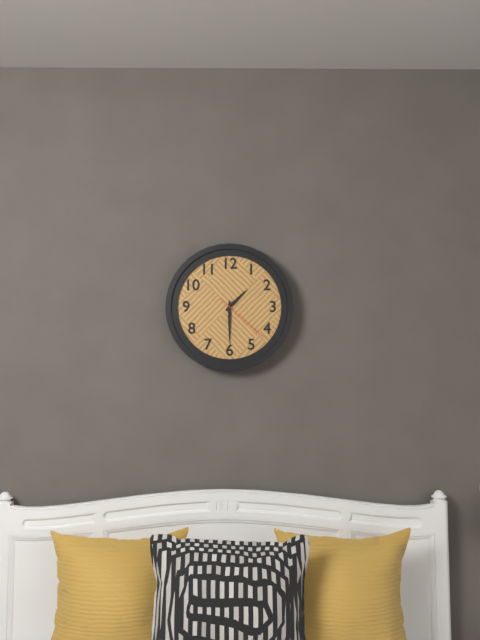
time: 1:30:22
